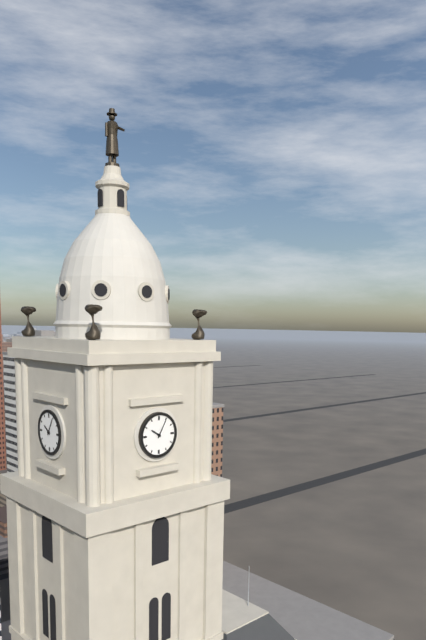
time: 10:05
